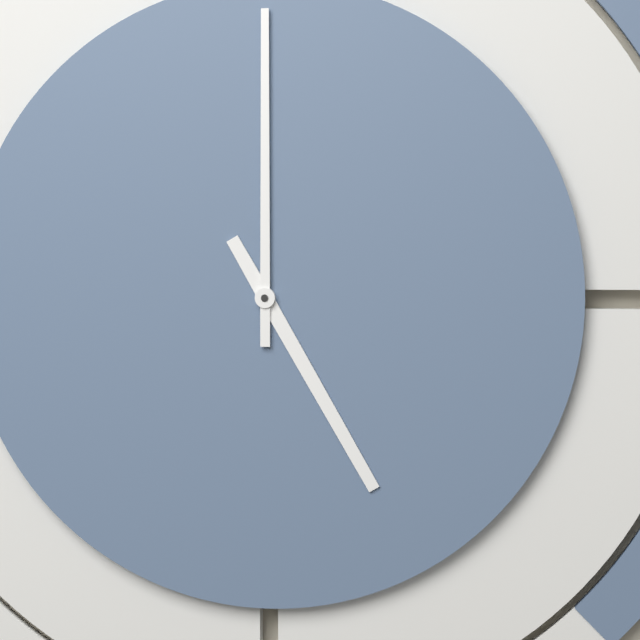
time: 5:00
